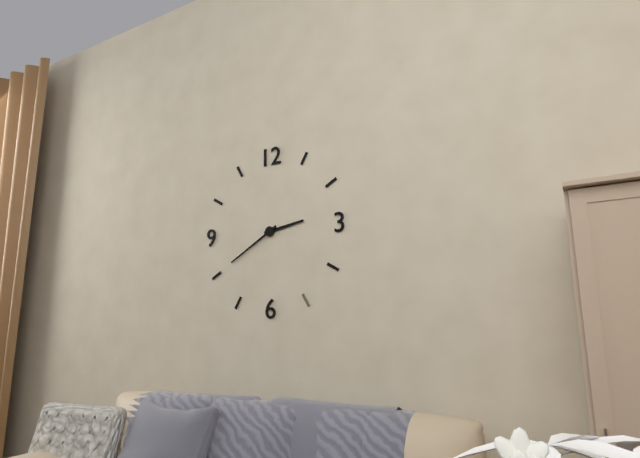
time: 2:40
